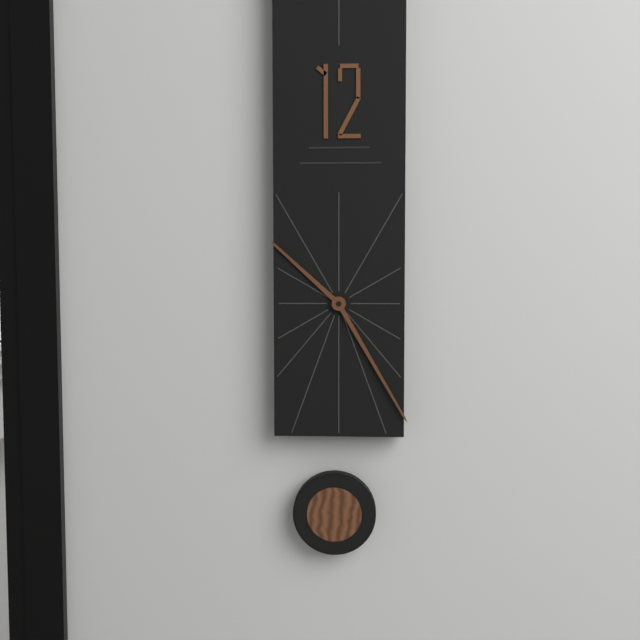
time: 10:25
